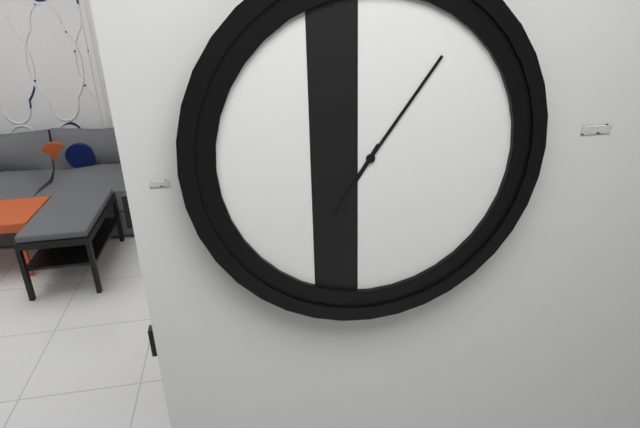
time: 7:06
